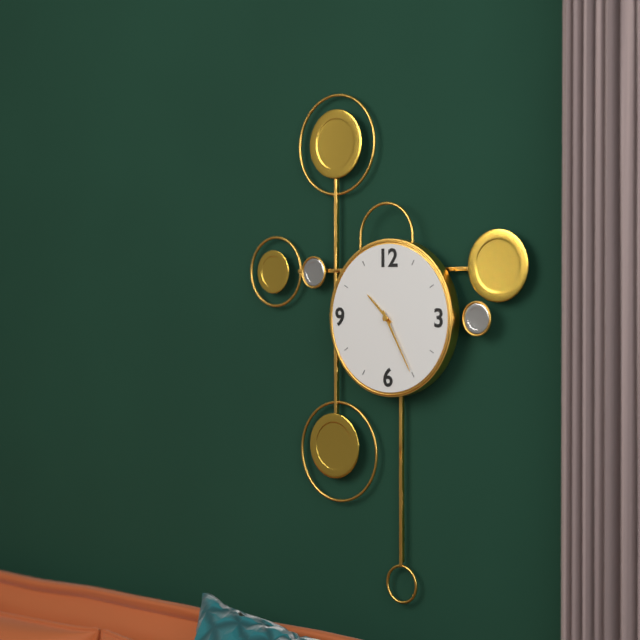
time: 10:25
